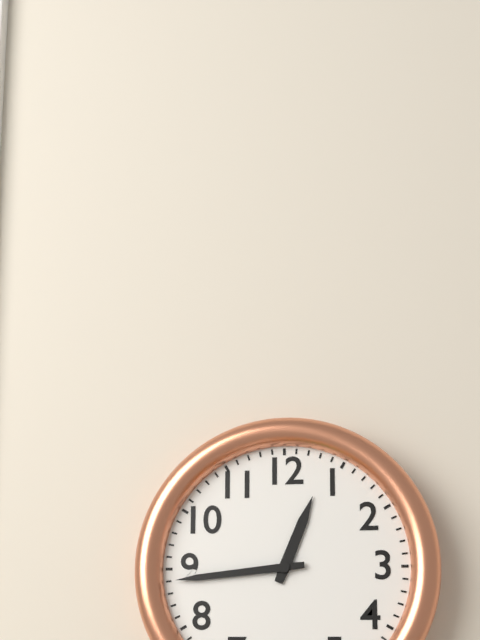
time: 12:44
